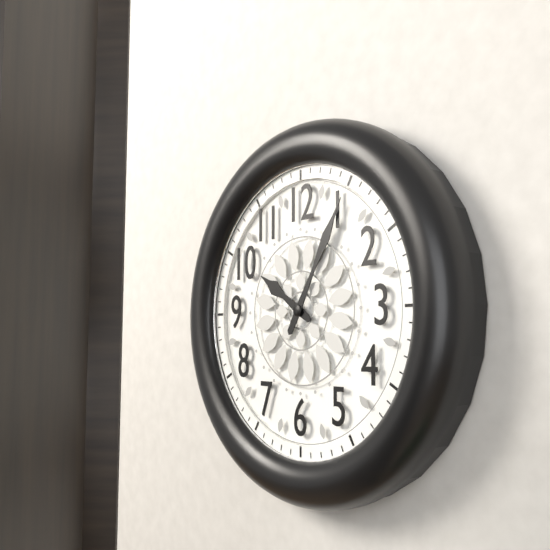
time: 10:05
